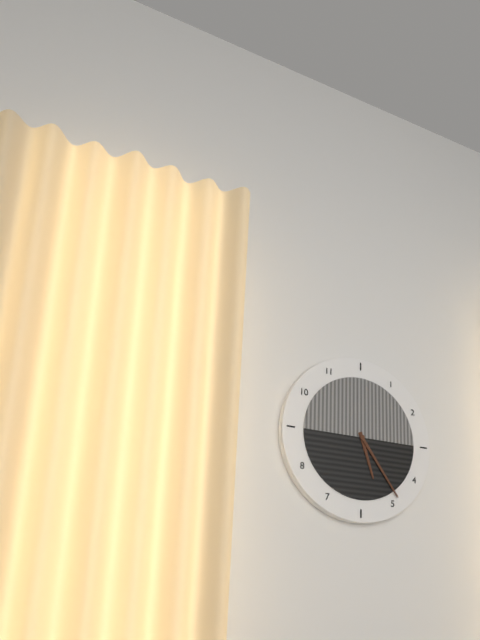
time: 5:24
